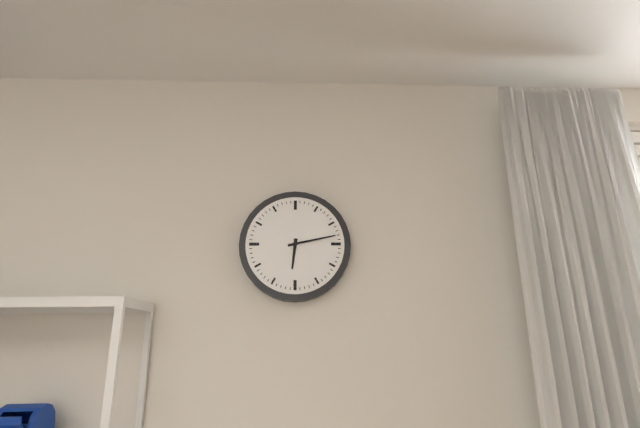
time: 6:13
